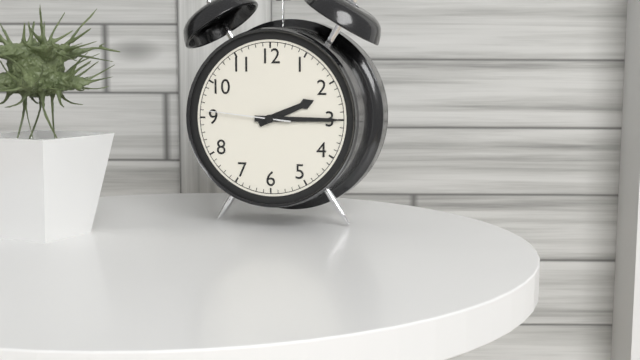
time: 2:15:46
